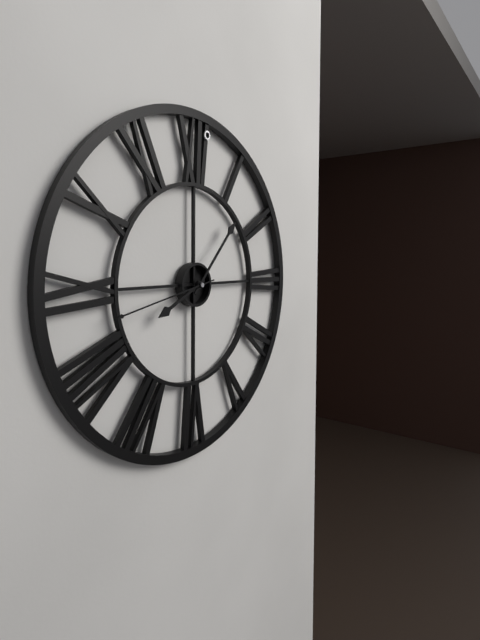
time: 8:07:43
